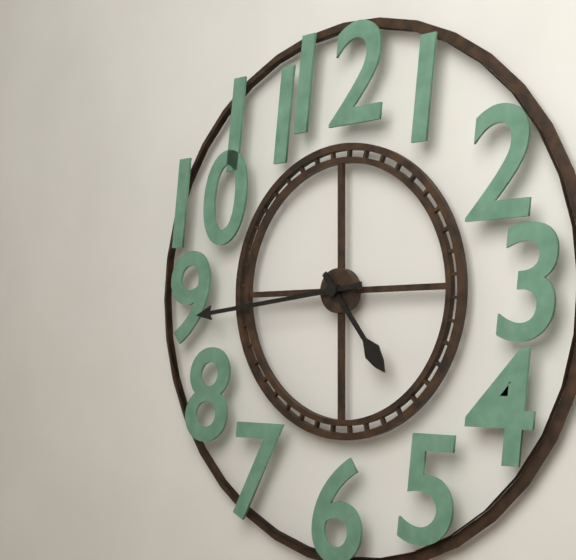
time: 4:44
